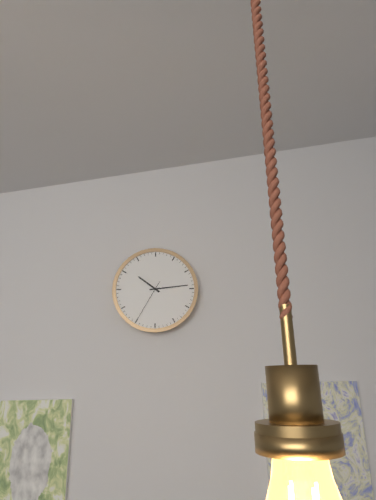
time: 10:14
